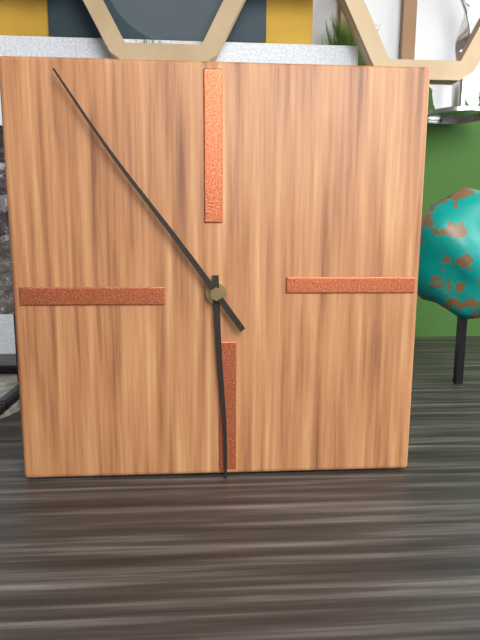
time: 5:54
